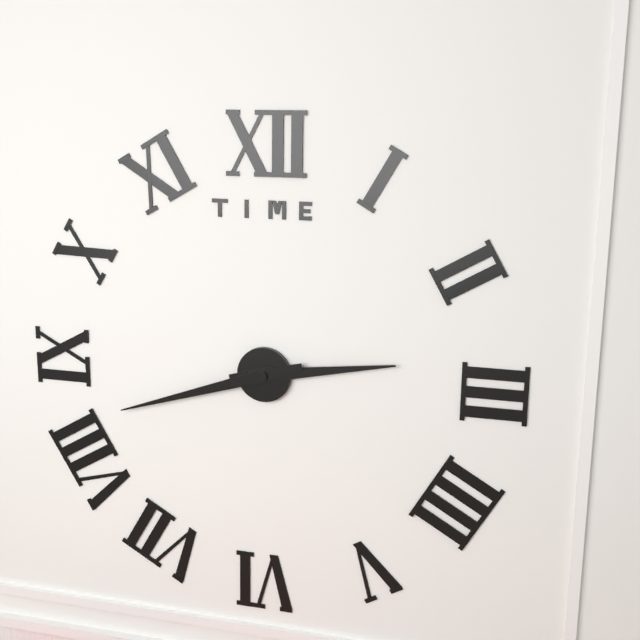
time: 2:42
